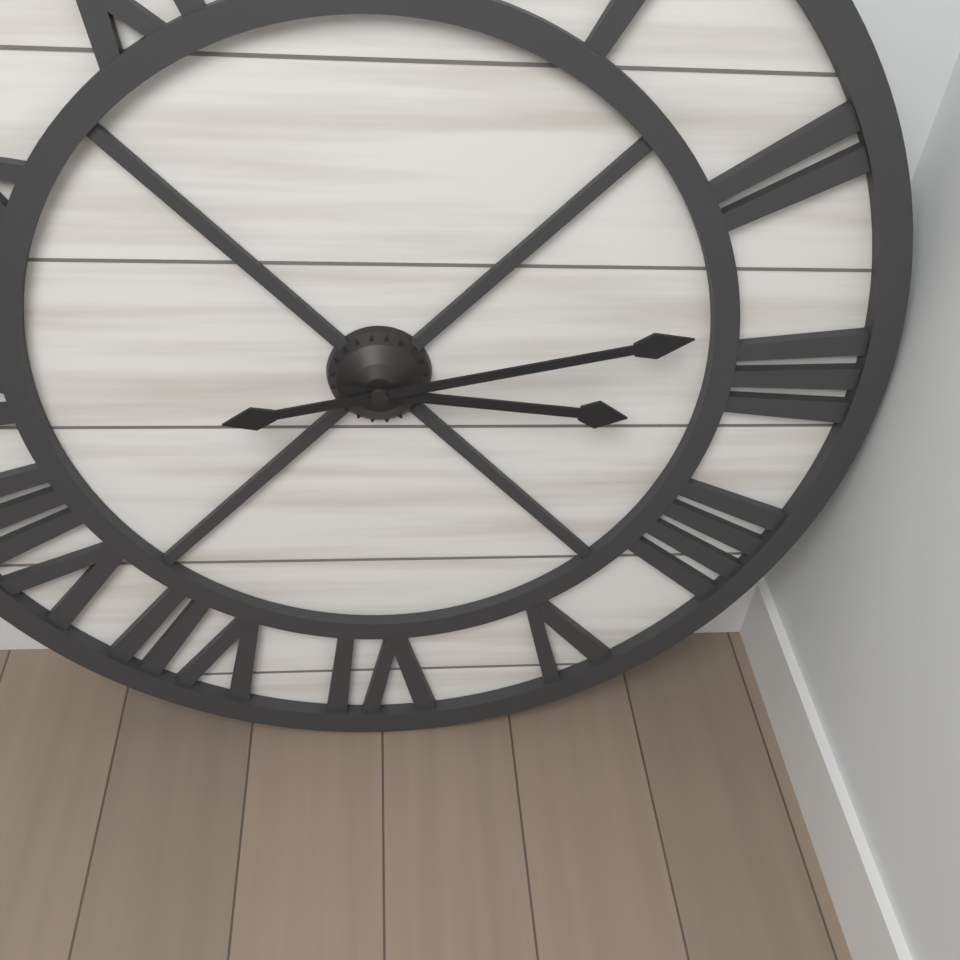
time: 3:13
